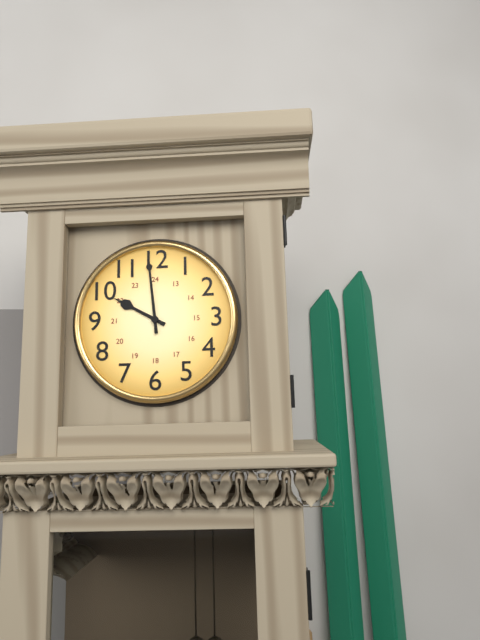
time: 9:59
